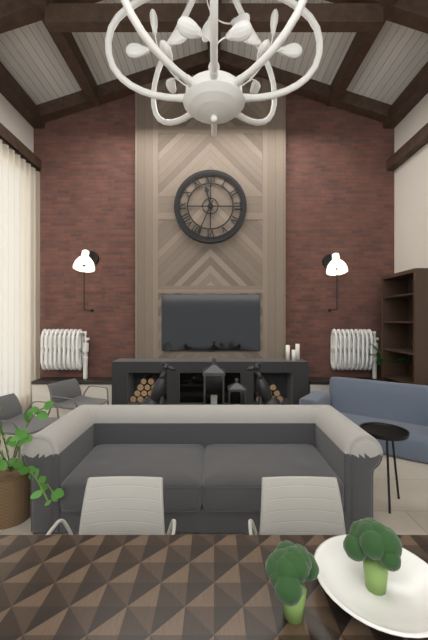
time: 11:34
